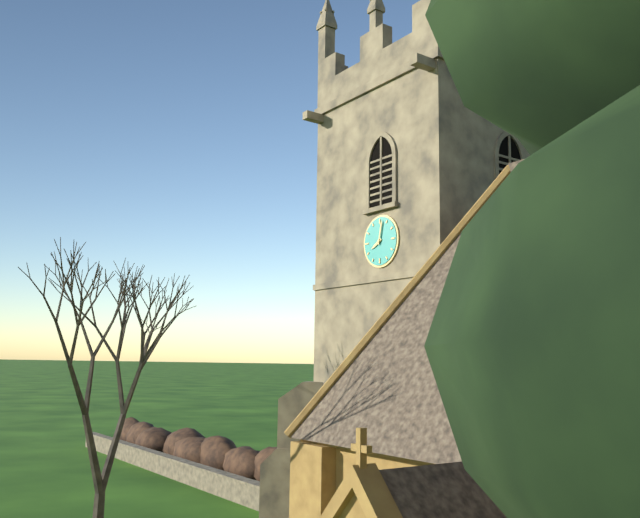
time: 8:02
